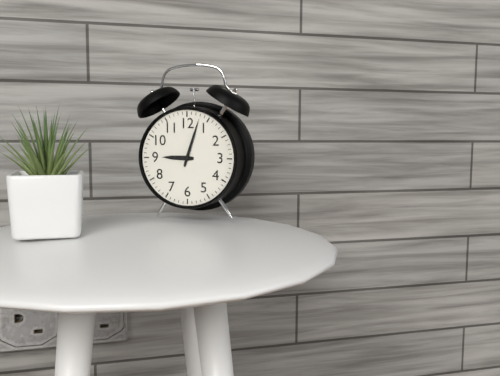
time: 9:03
